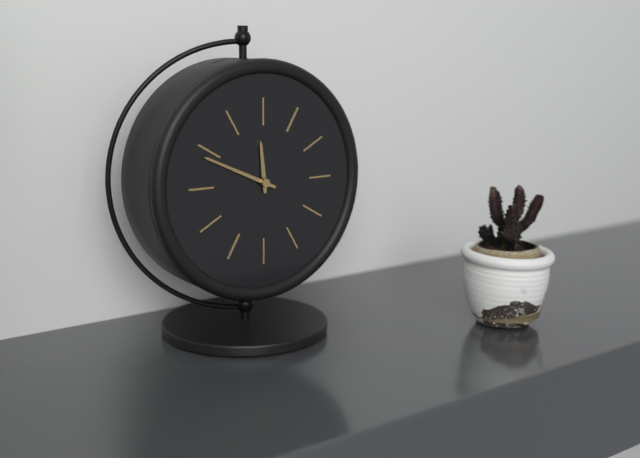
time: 11:49
